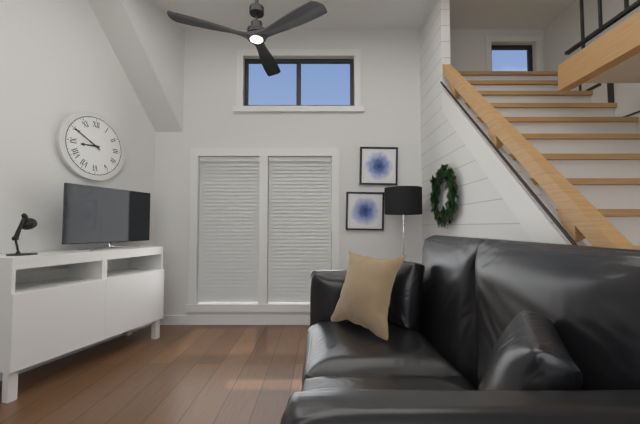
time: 8:50
